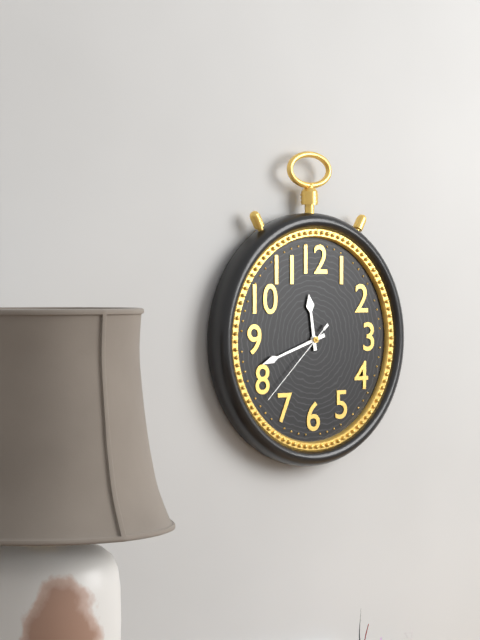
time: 11:42:38
